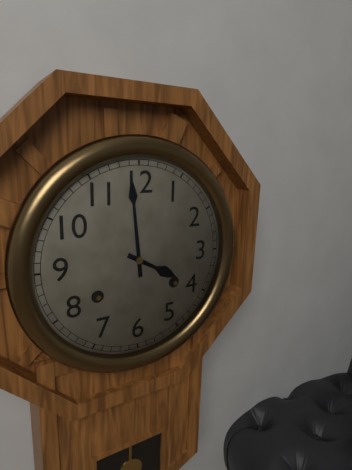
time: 3:59
